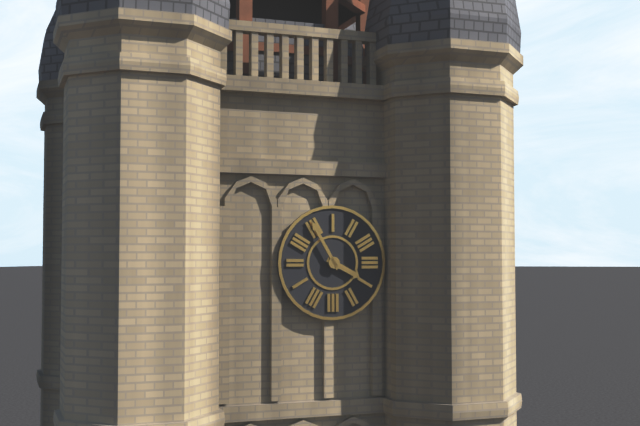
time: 3:55
